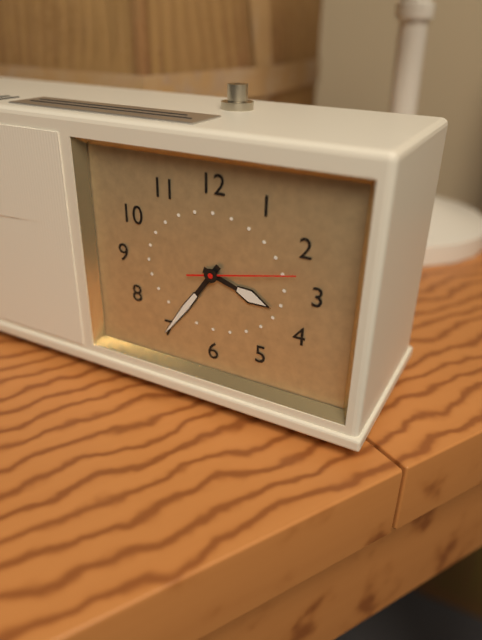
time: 3:36:13
